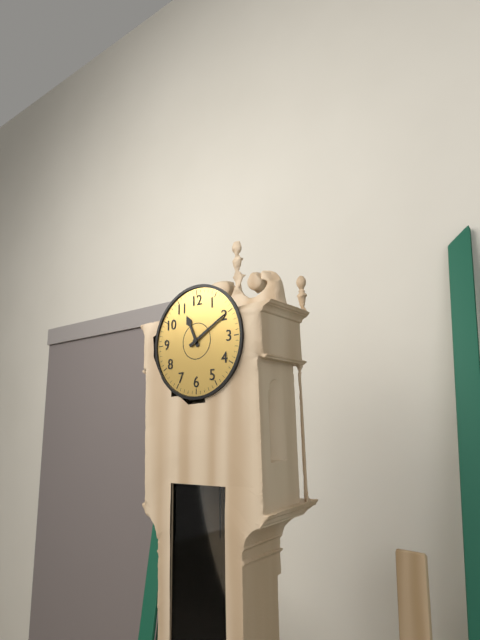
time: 11:10
